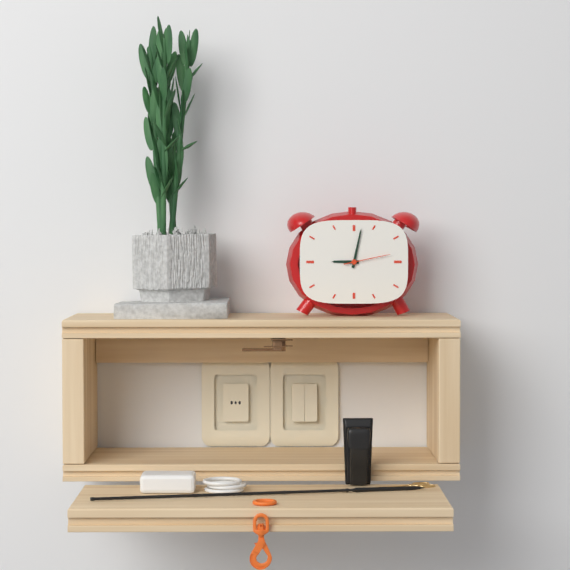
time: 9:02
